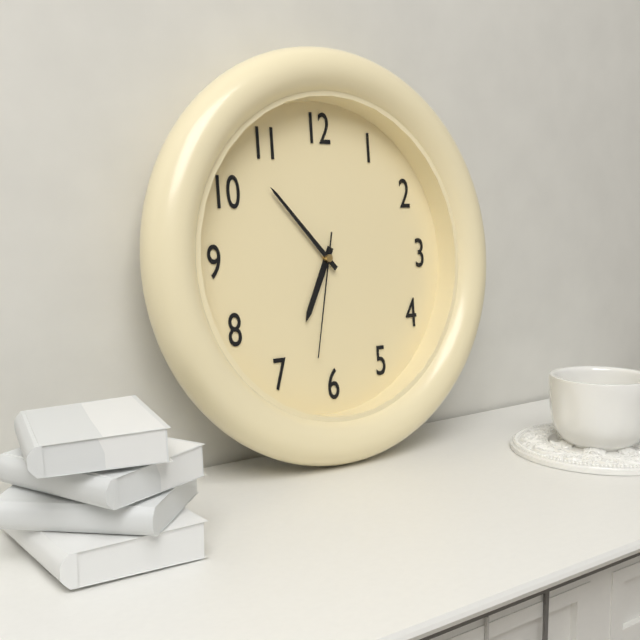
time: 6:53:32
